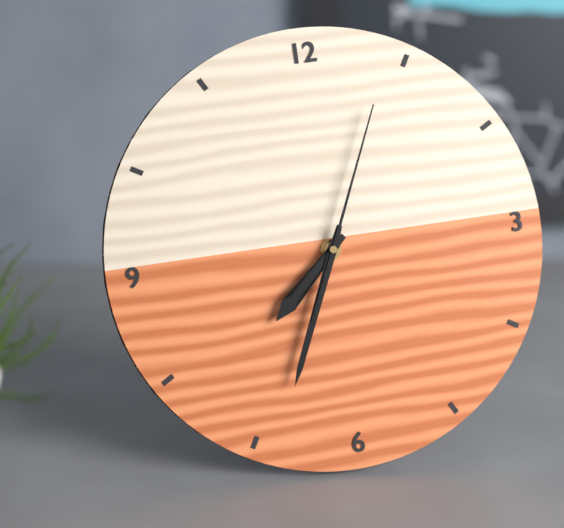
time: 7:34:04
